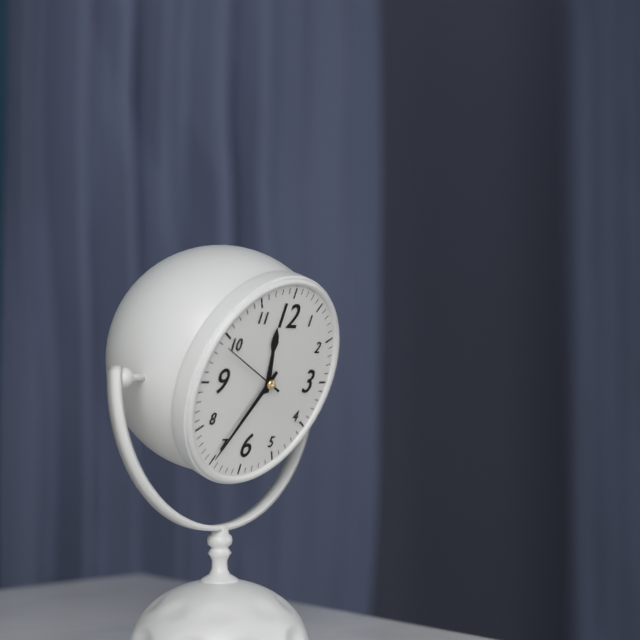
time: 11:35:49
